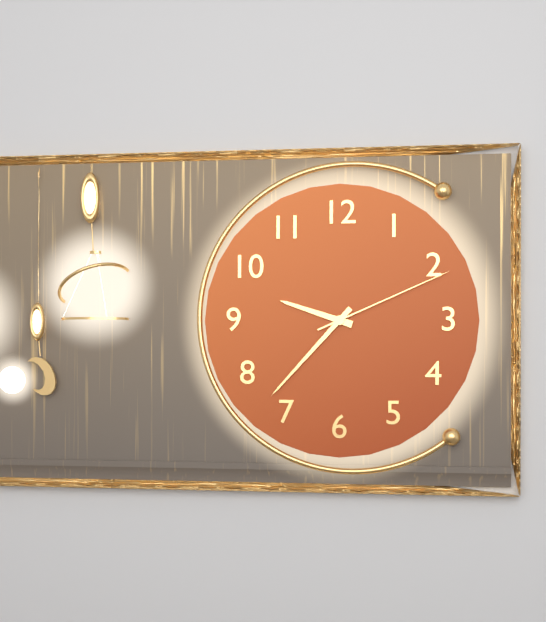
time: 9:37:11
